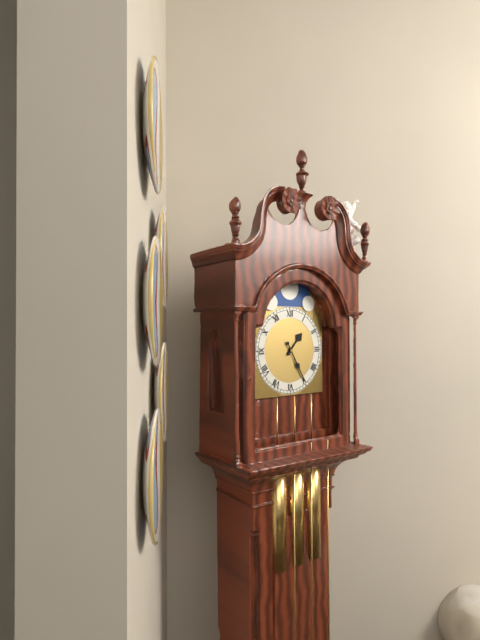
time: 1:25
